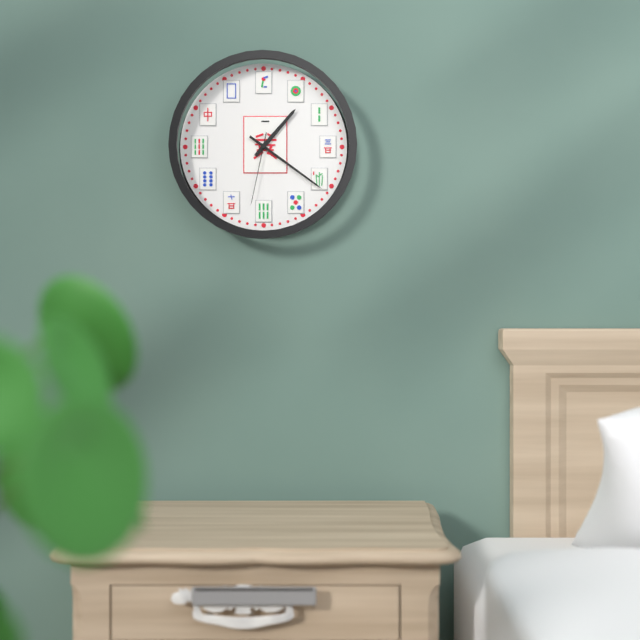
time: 1:21:32
